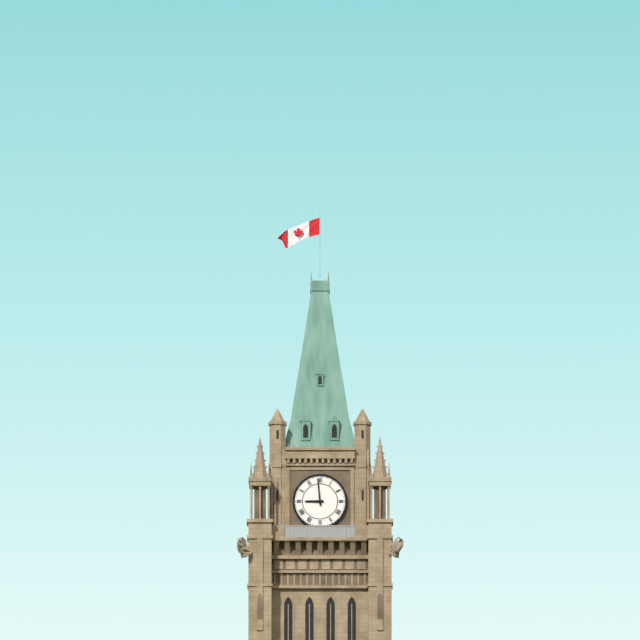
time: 8:59
